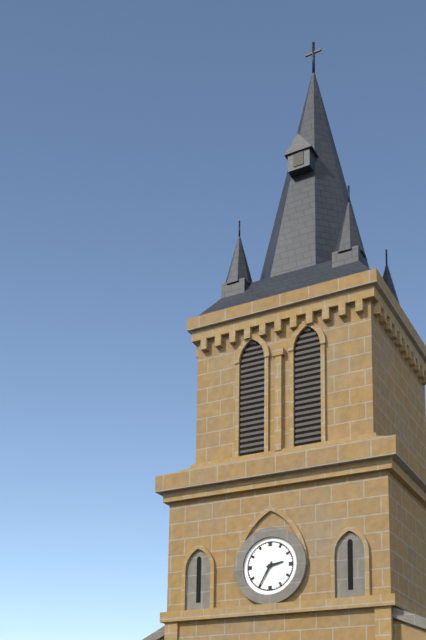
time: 2:35
